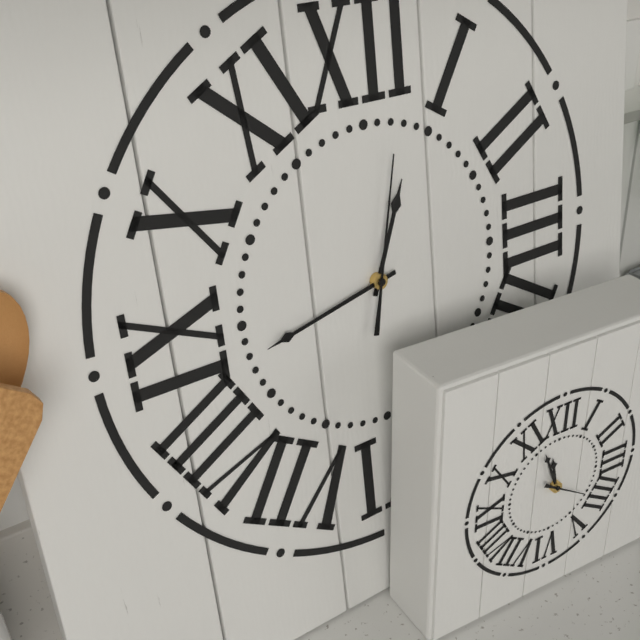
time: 12:43:02
